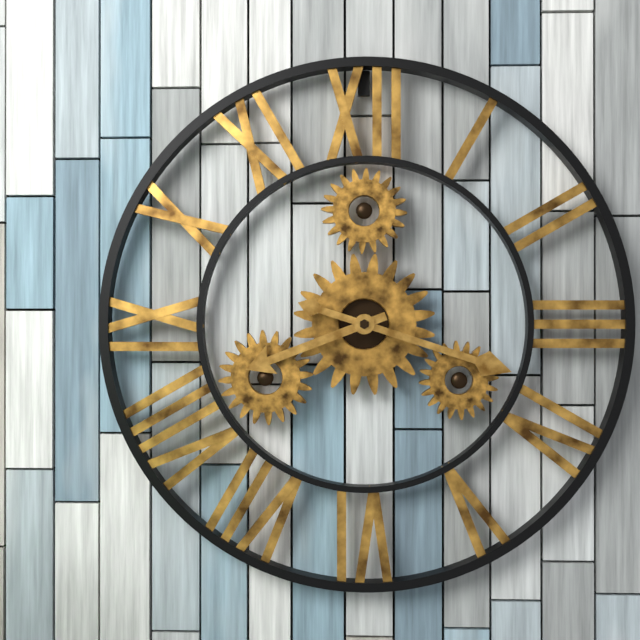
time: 8:18
